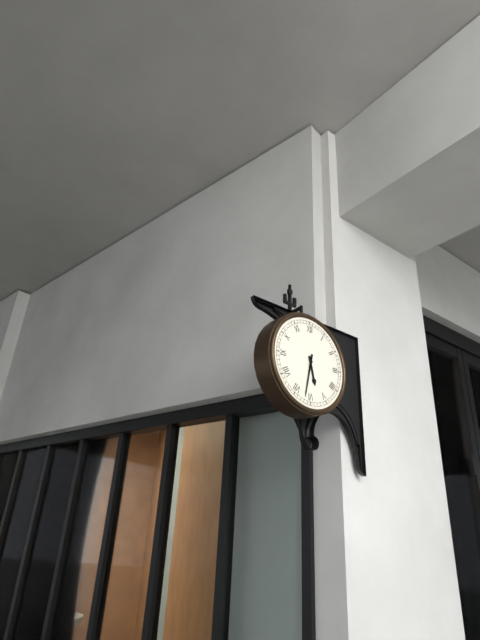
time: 5:32
